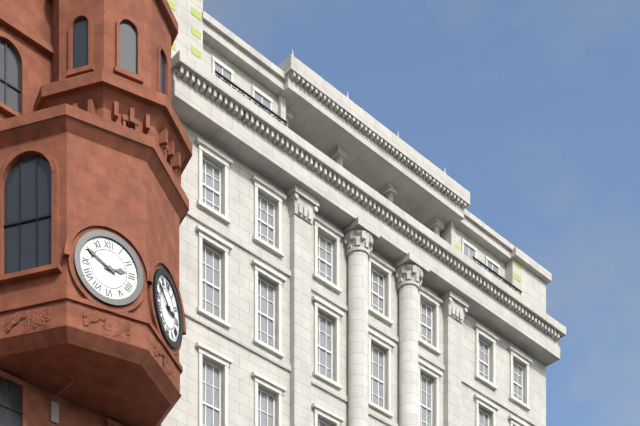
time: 2:50
